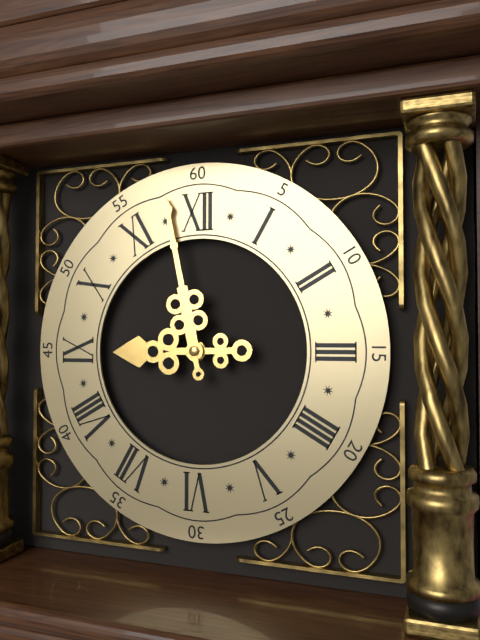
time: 8:58
